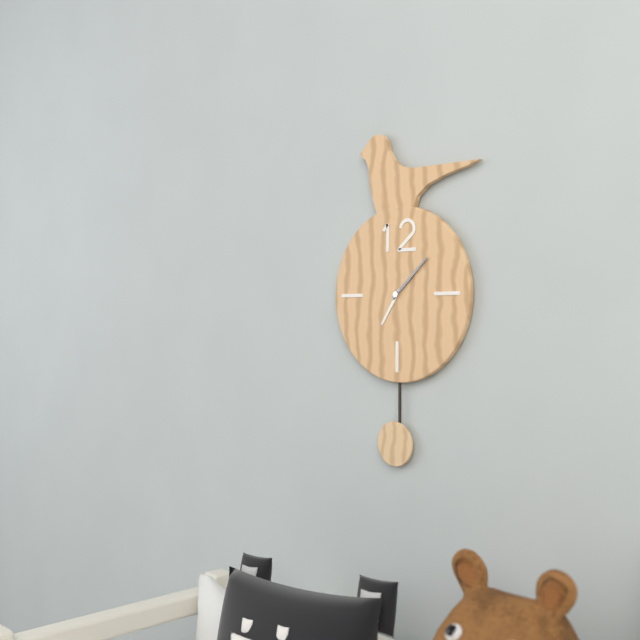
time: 7:08
